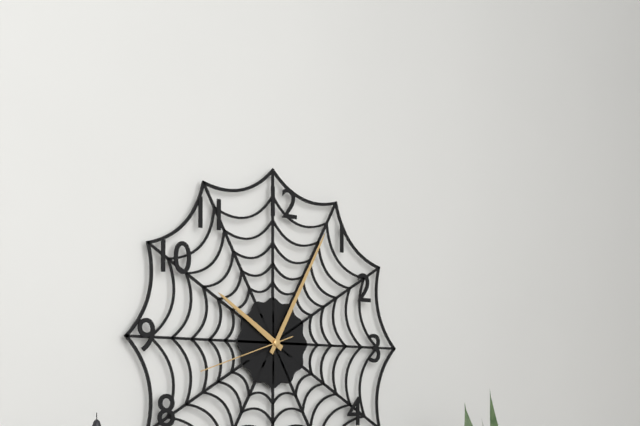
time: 10:05:42
